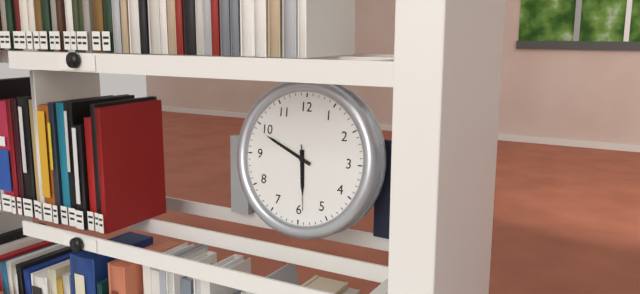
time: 5:49:29
